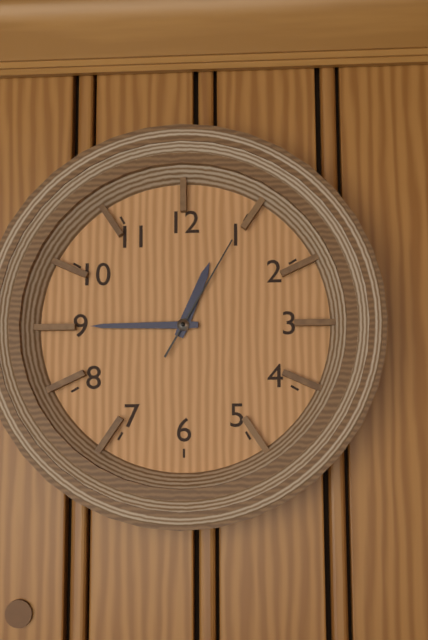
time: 12:45:05
